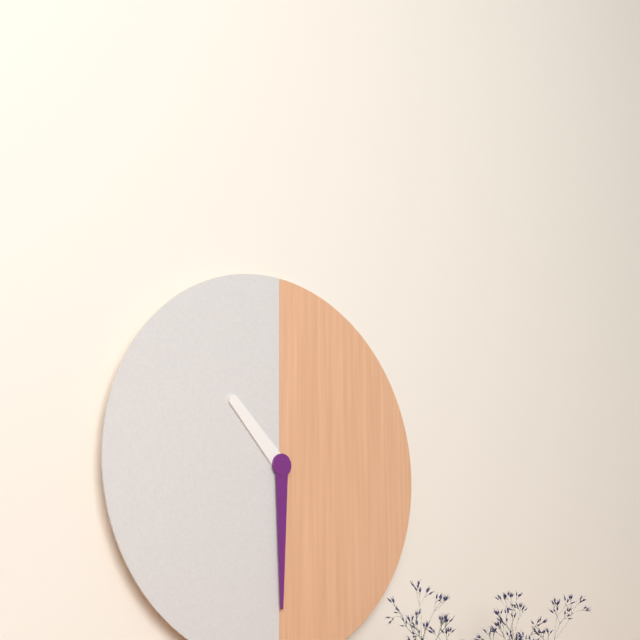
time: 10:30
